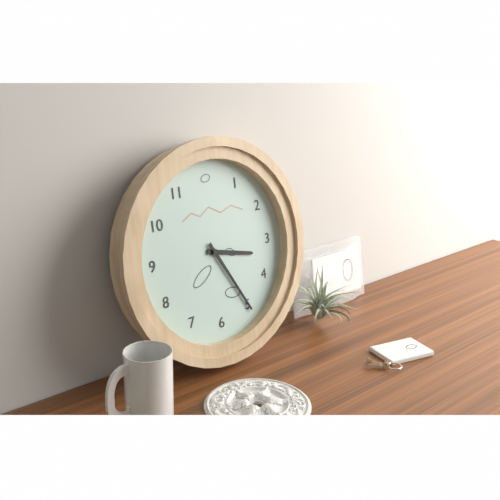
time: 3:25
